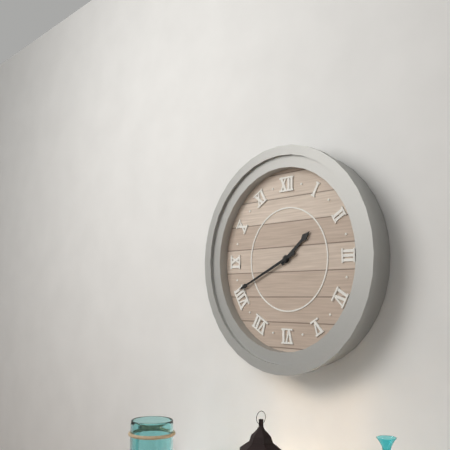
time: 1:41
